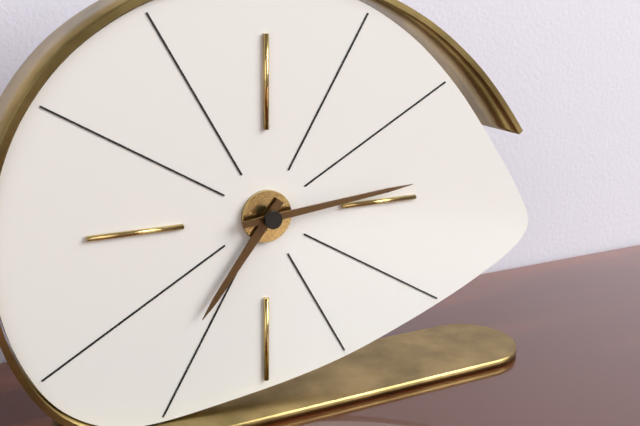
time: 7:14
